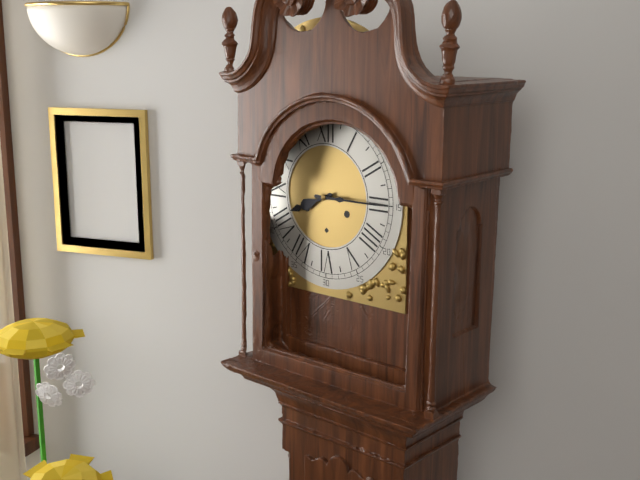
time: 8:15
